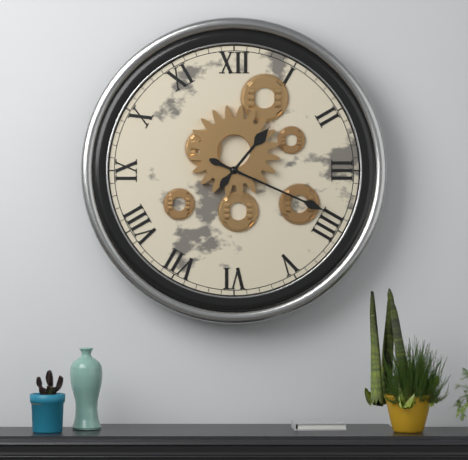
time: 1:19
